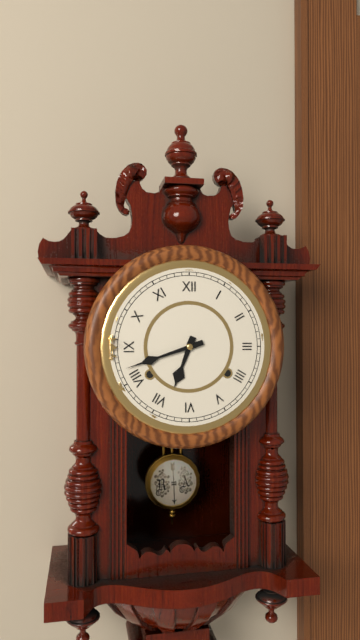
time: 6:42
